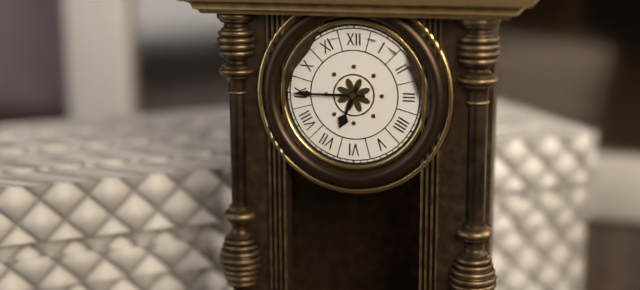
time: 6:45
